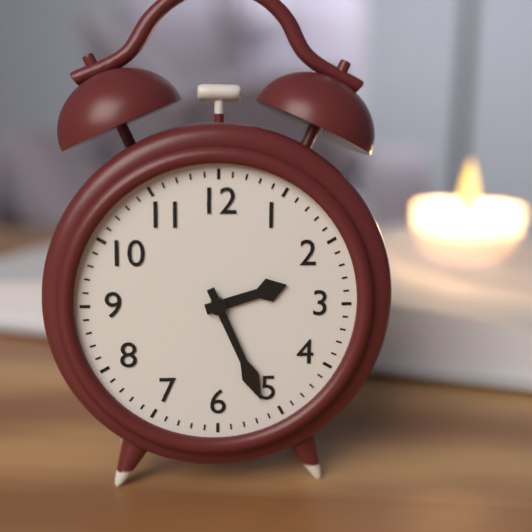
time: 2:26
